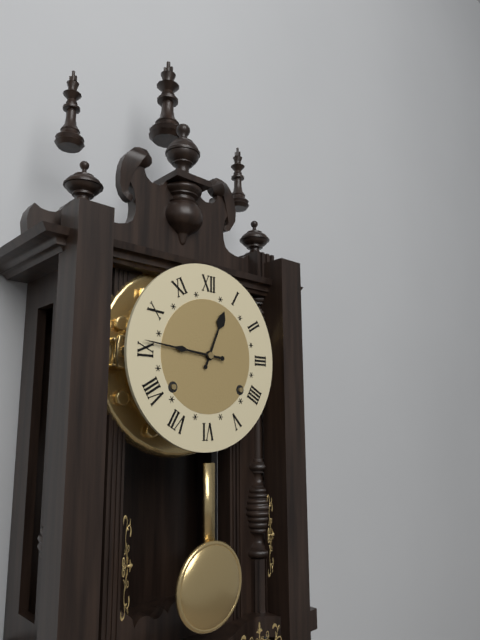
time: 12:46
